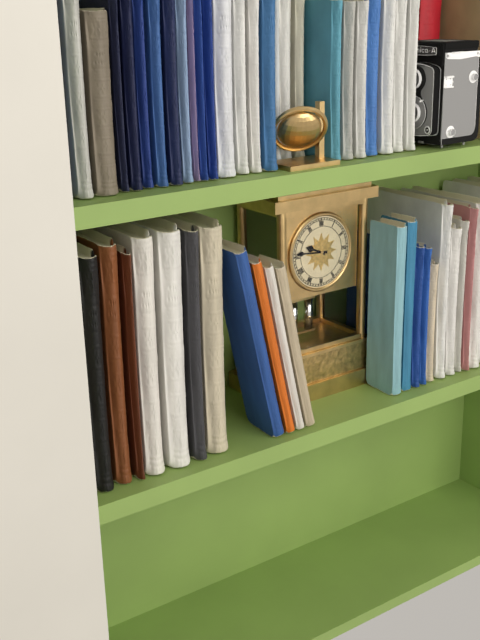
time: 9:46
